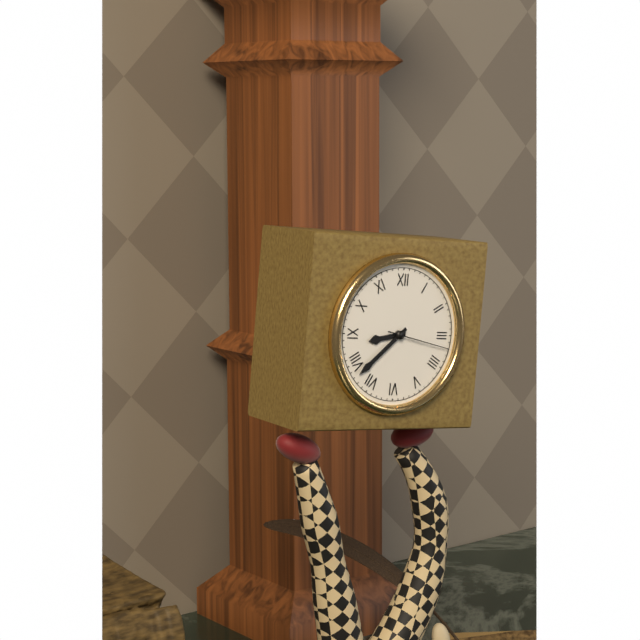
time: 8:38:17
